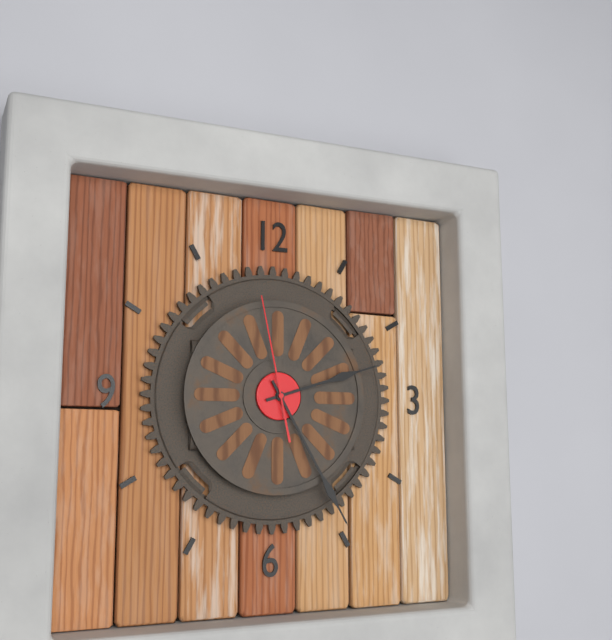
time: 2:25:58
